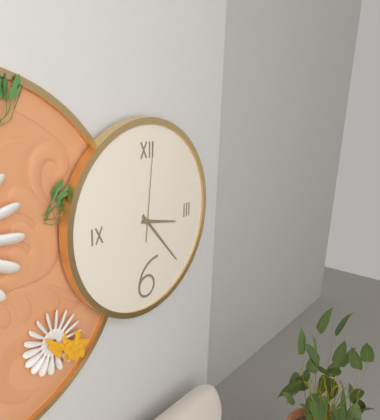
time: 3:23:01
